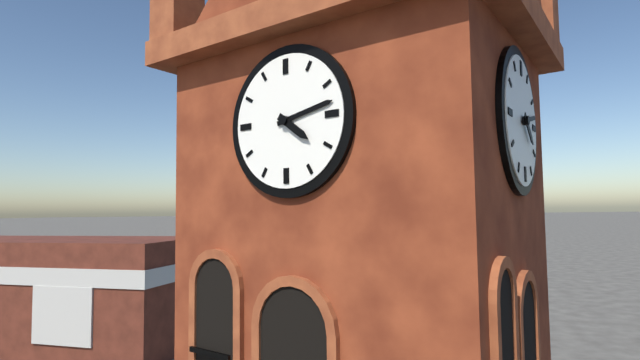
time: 4:13
